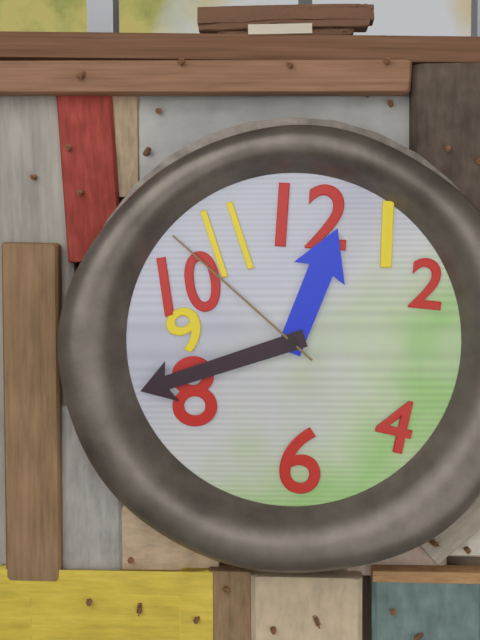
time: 12:42:52
